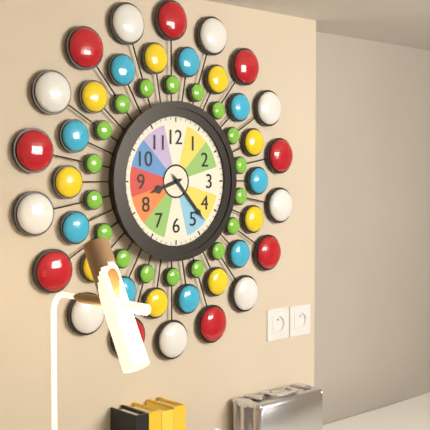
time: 8:23
